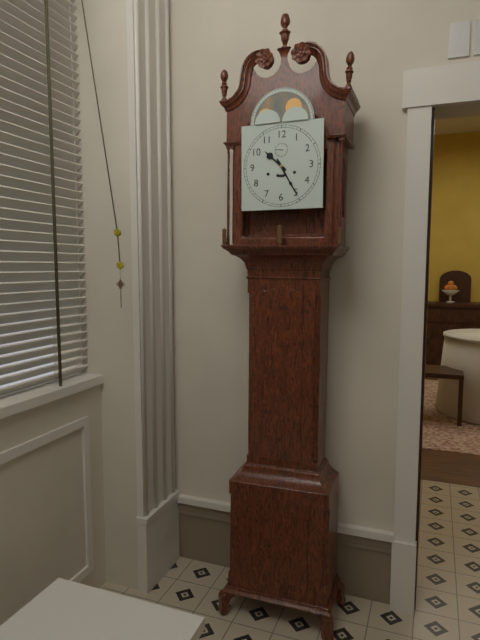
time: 10:25
